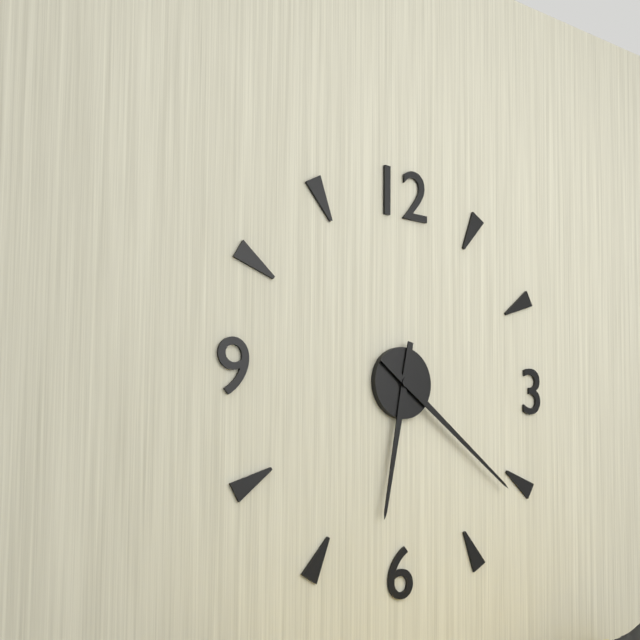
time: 6:21
